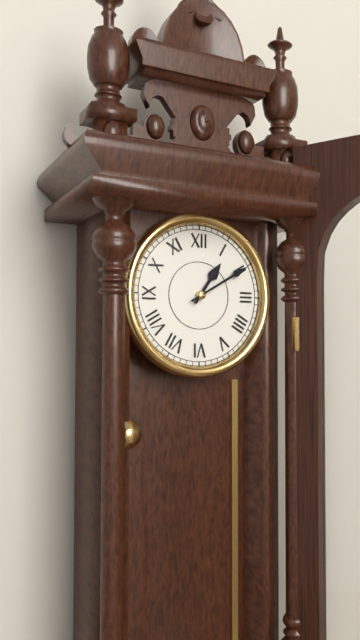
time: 1:10
